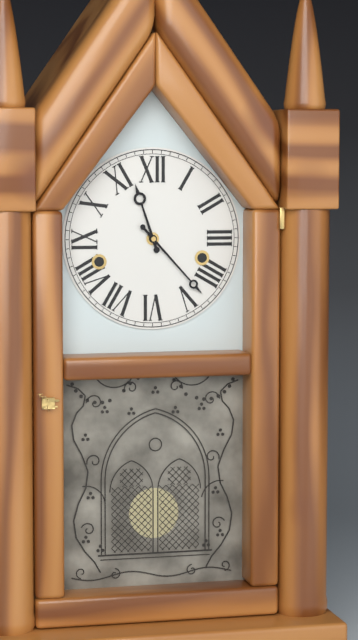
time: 11:23
